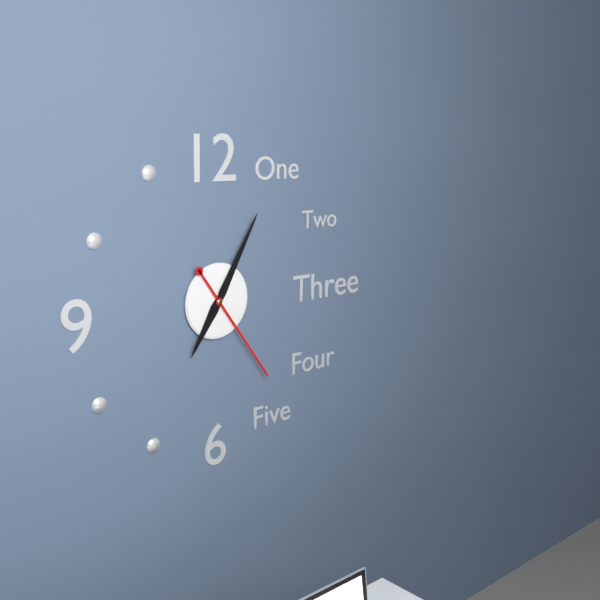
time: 7:05:24
